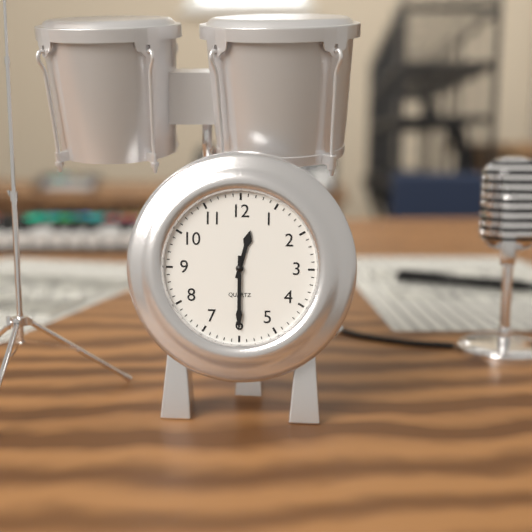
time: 12:30
